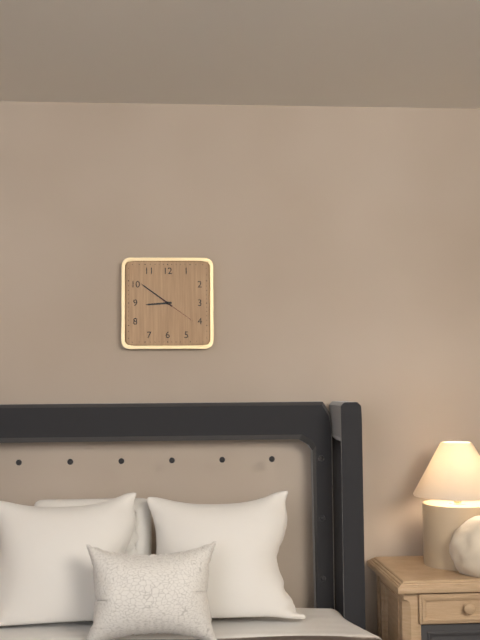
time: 8:51
